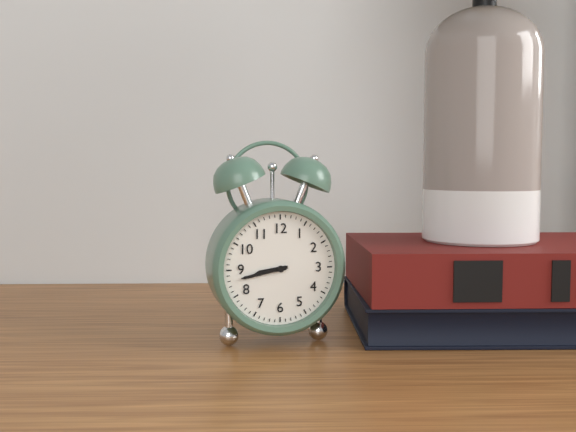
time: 8:43
